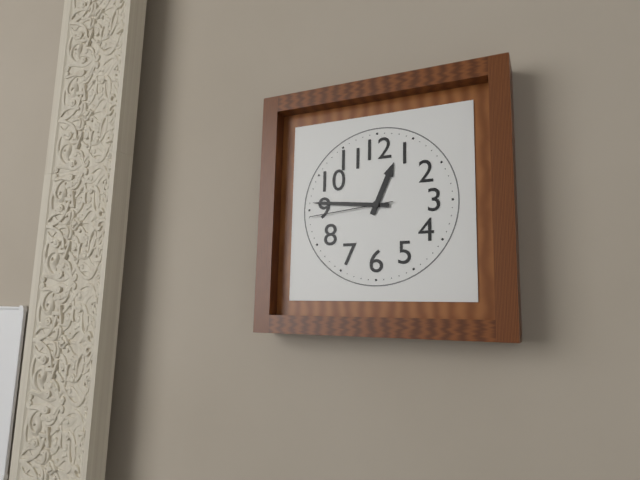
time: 12:46:44
